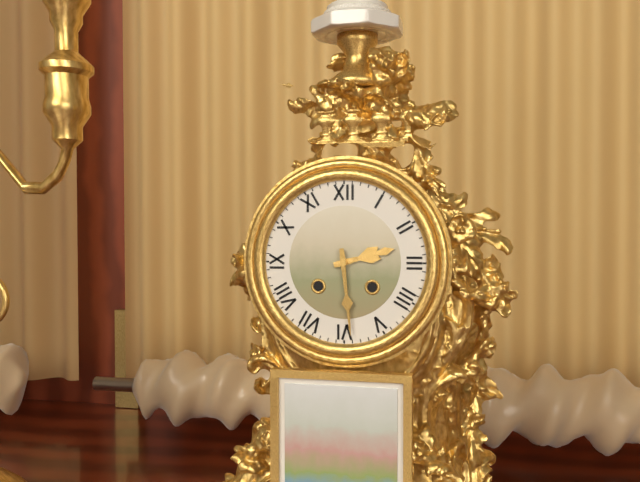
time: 2:29
